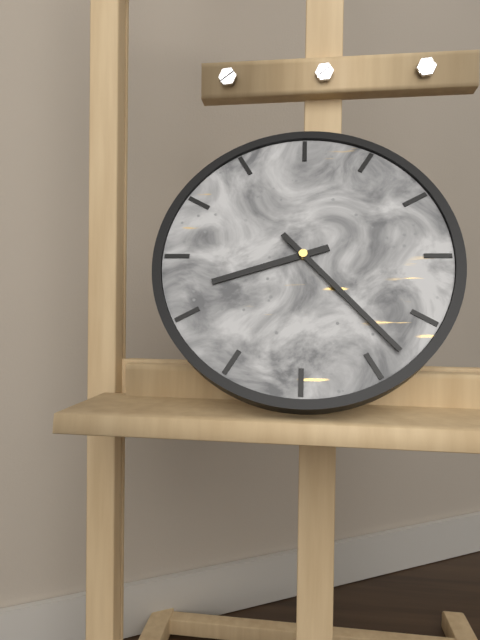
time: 8:23
